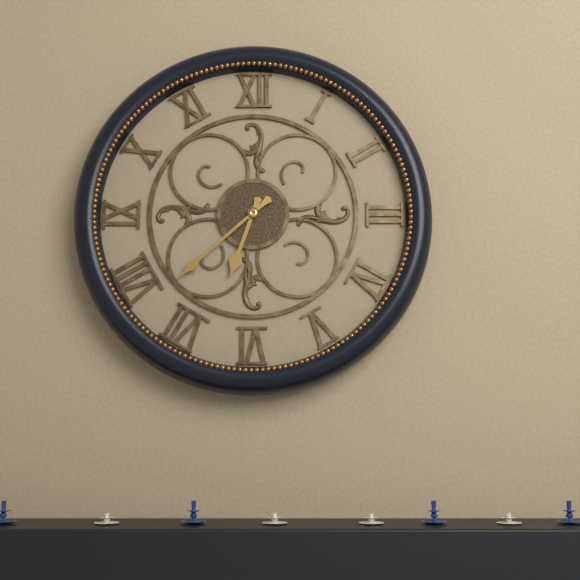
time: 6:38
